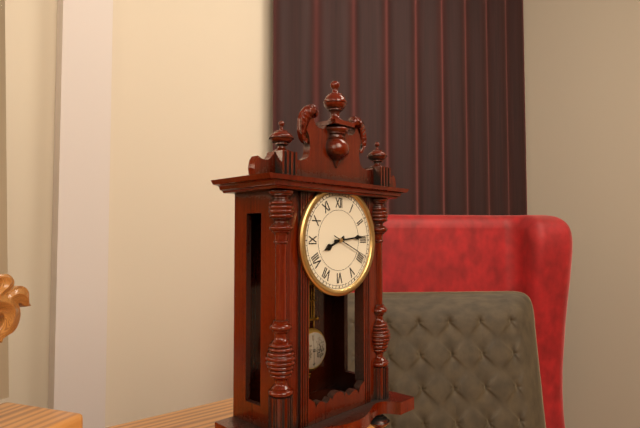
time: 8:14
